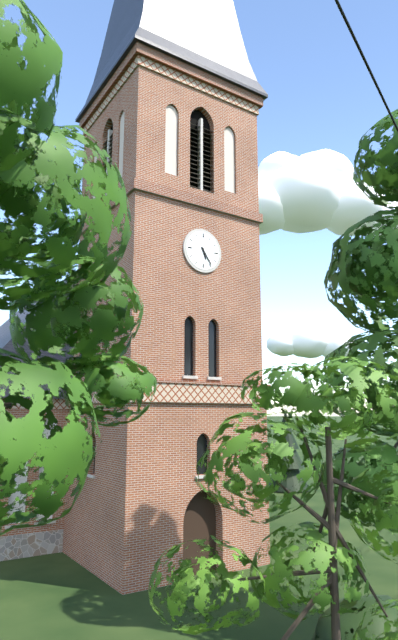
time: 5:24
